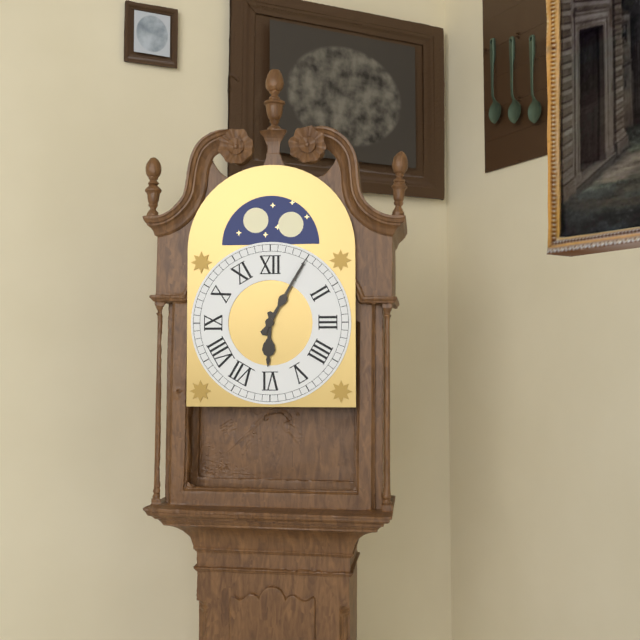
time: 6:05
